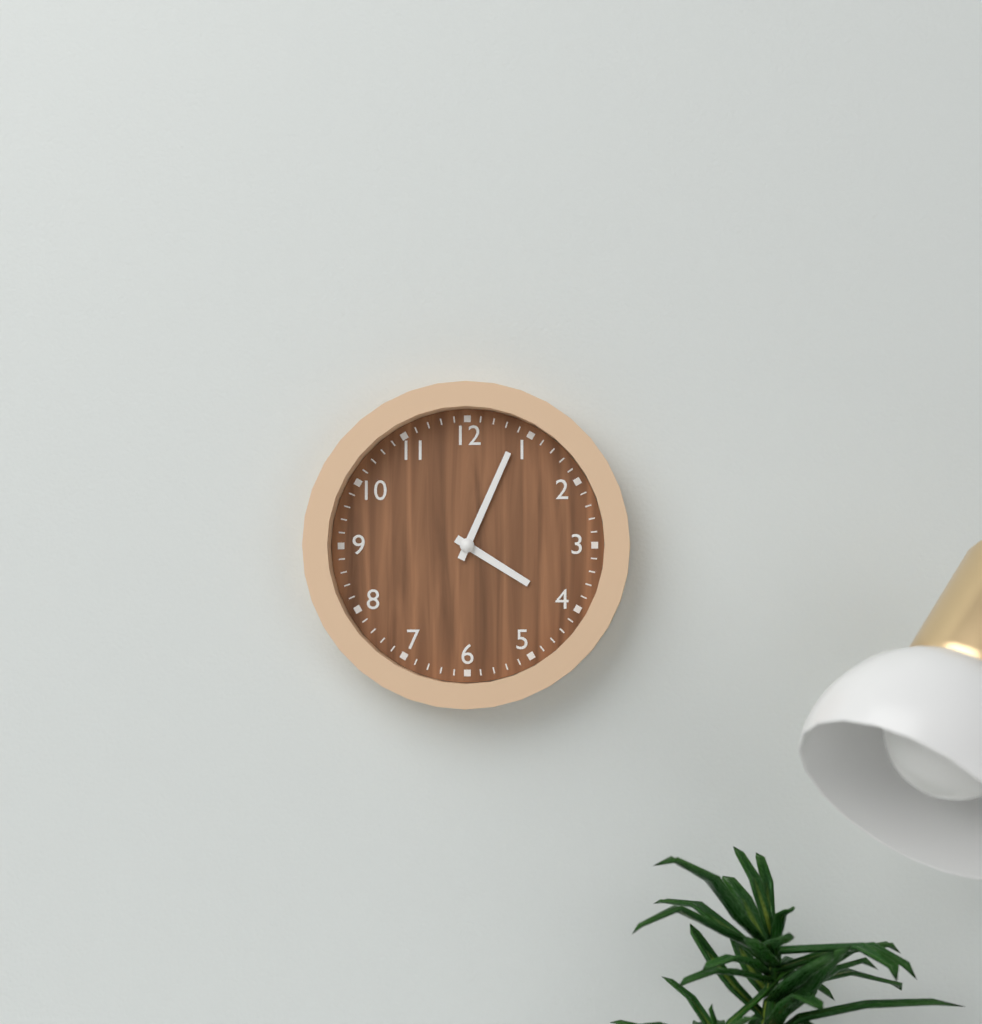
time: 4:04
